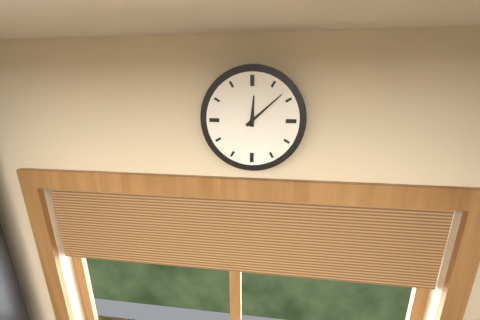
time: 12:08
